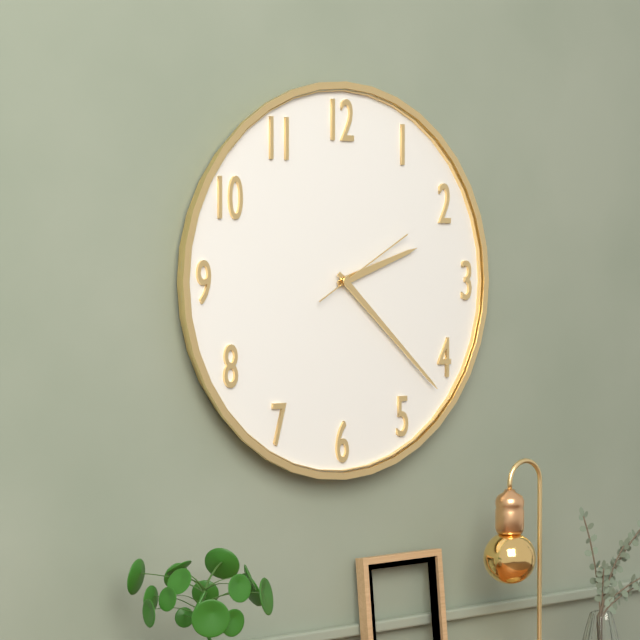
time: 2:22:10
